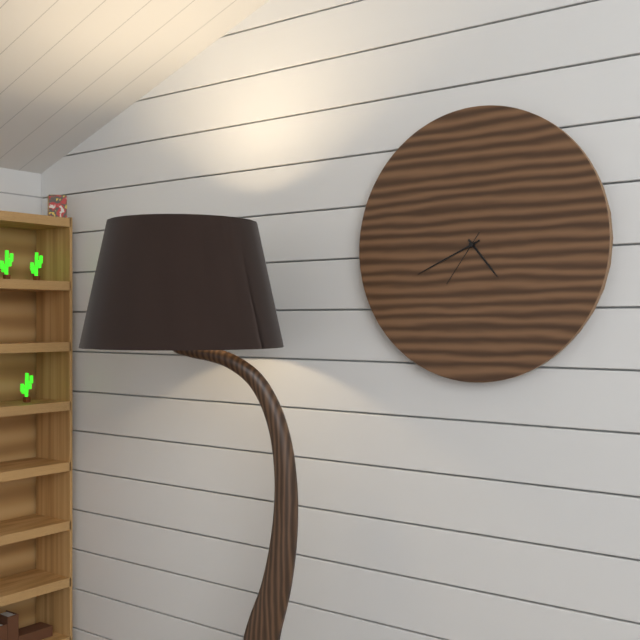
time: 4:41:36
